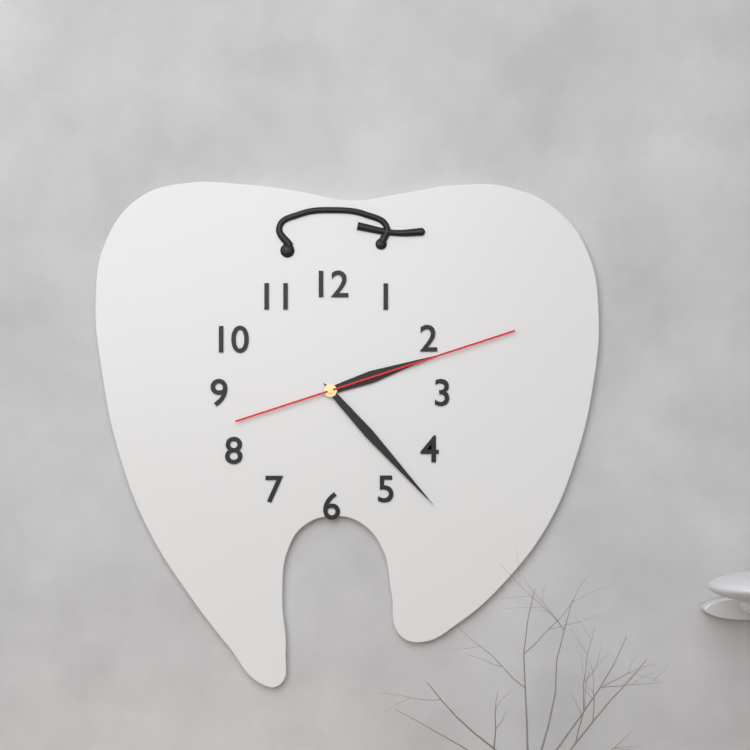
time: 2:23:12
